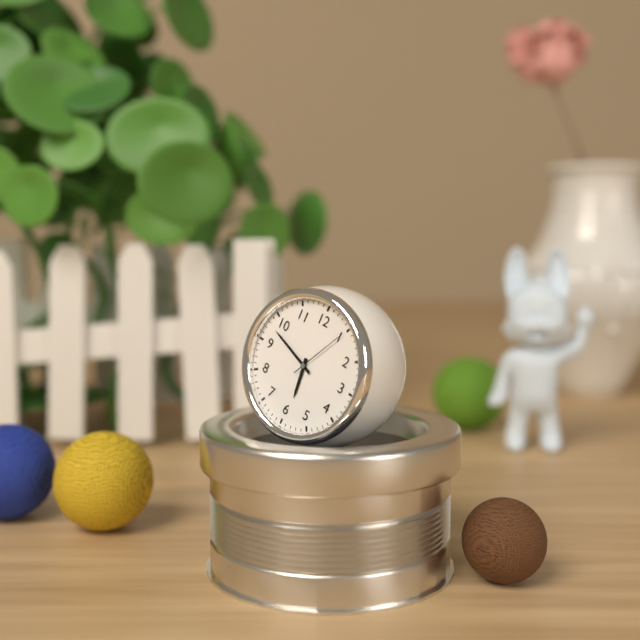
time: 5:48:05
